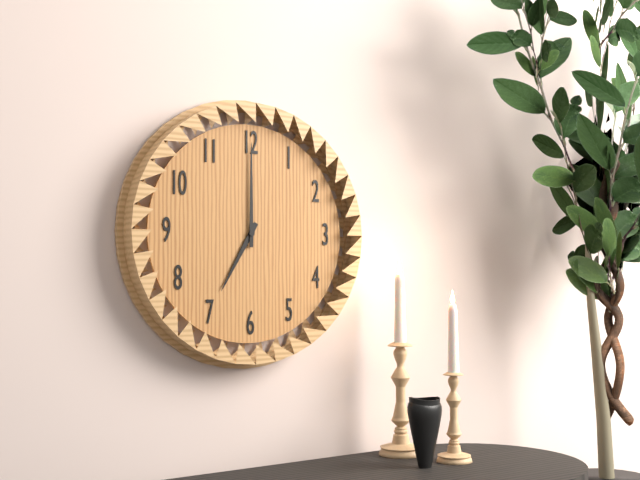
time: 7:00
